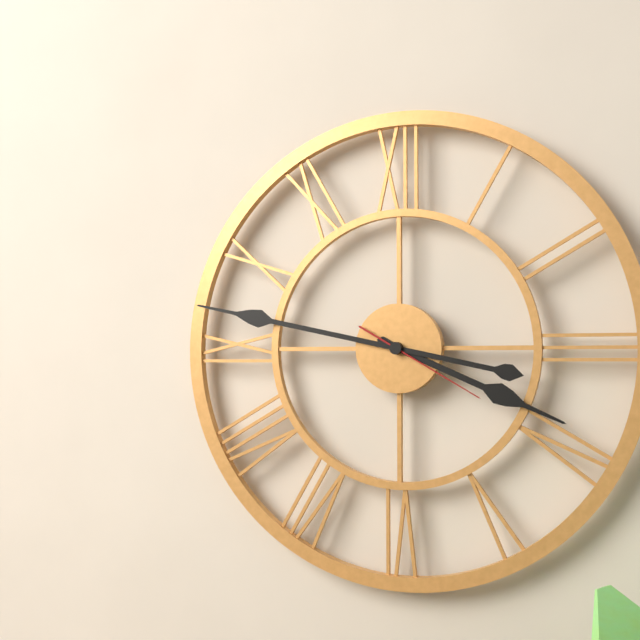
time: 3:47:20
